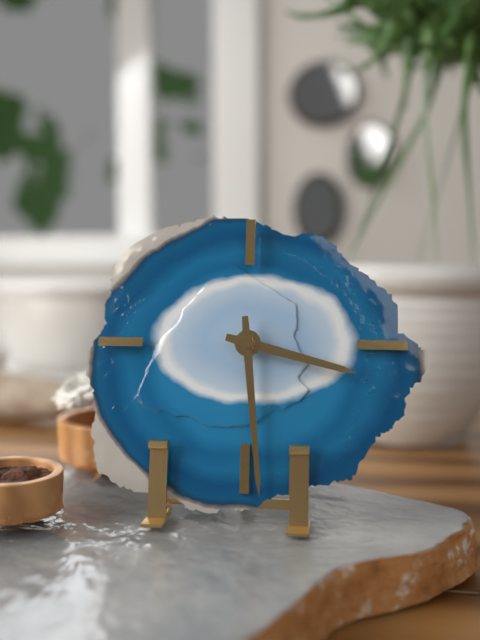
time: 3:29
